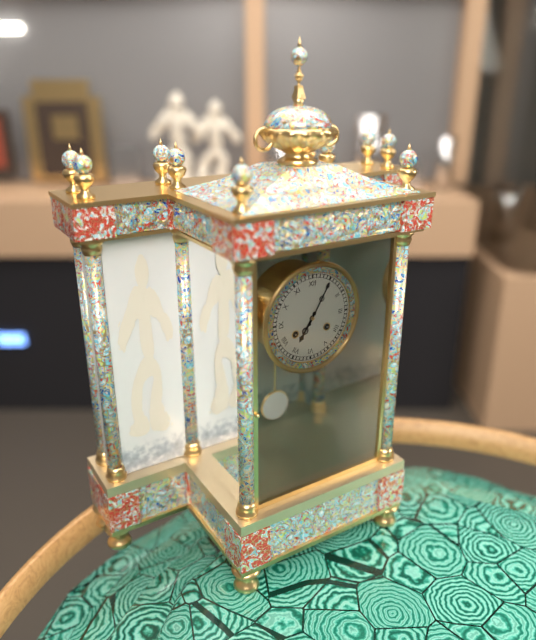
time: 7:05
